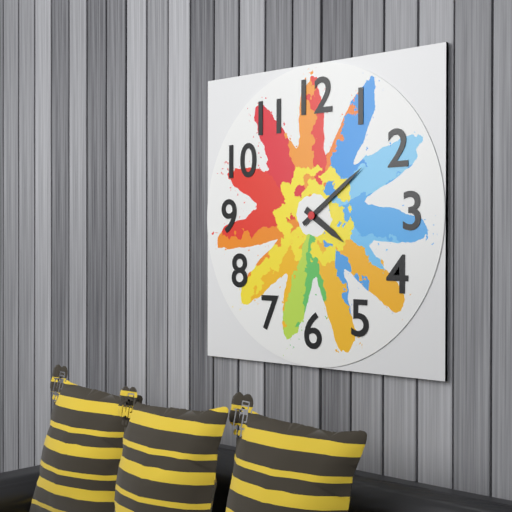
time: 4:09
